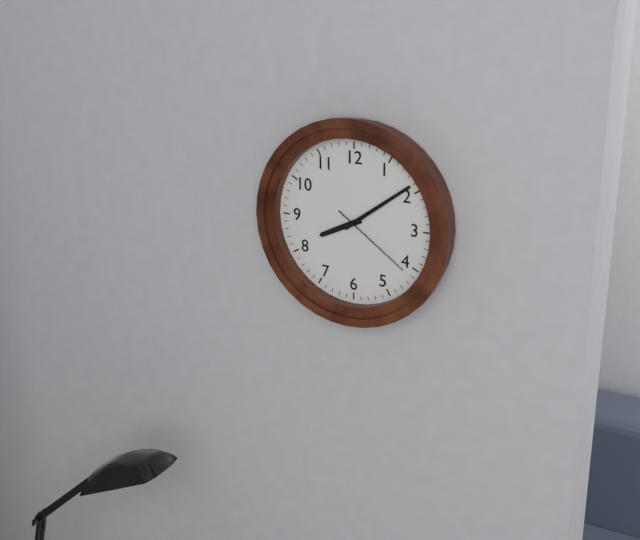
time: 8:09:21
